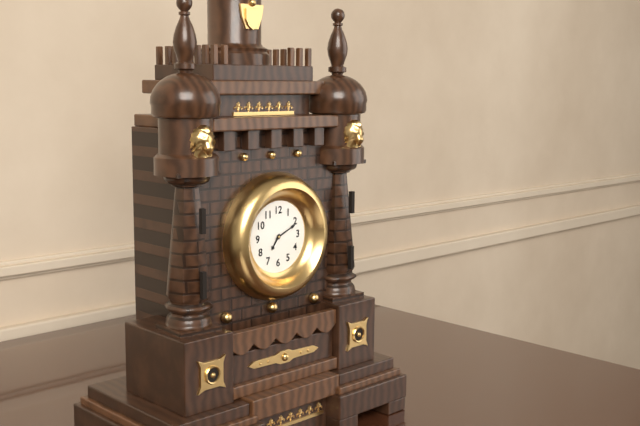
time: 7:11
